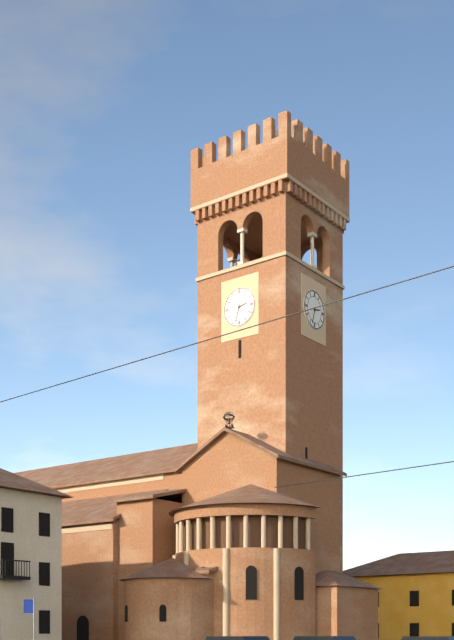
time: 2:33
